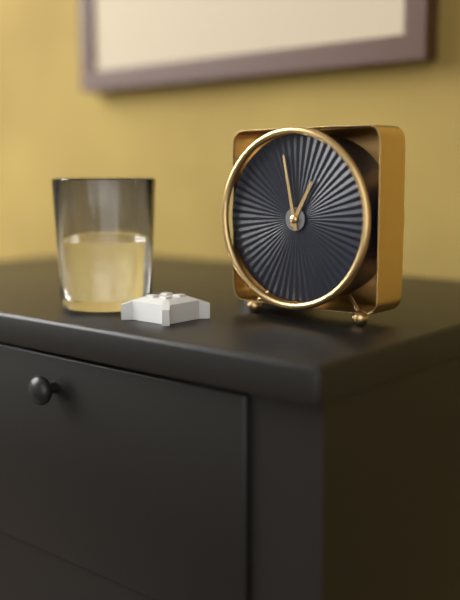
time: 12:58
